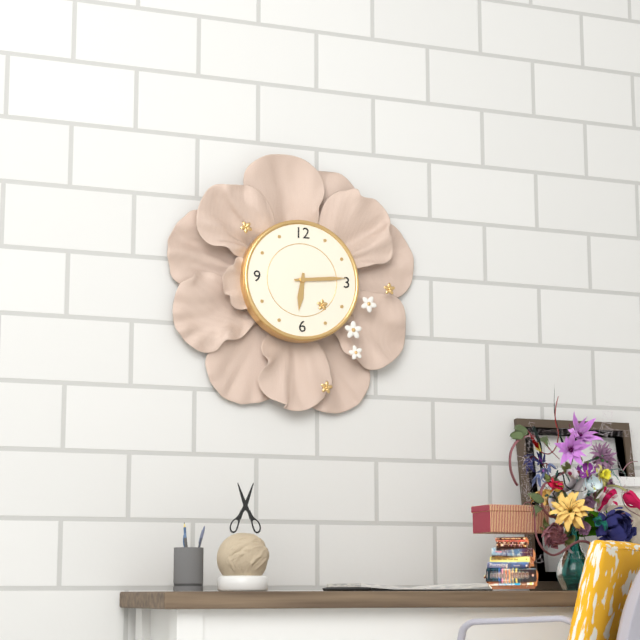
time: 6:14
